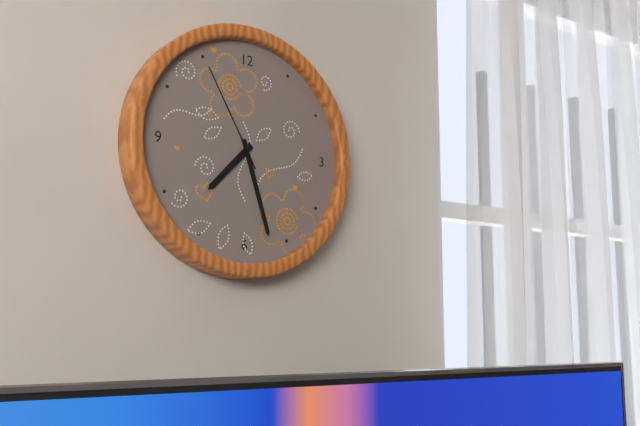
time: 7:27:55
